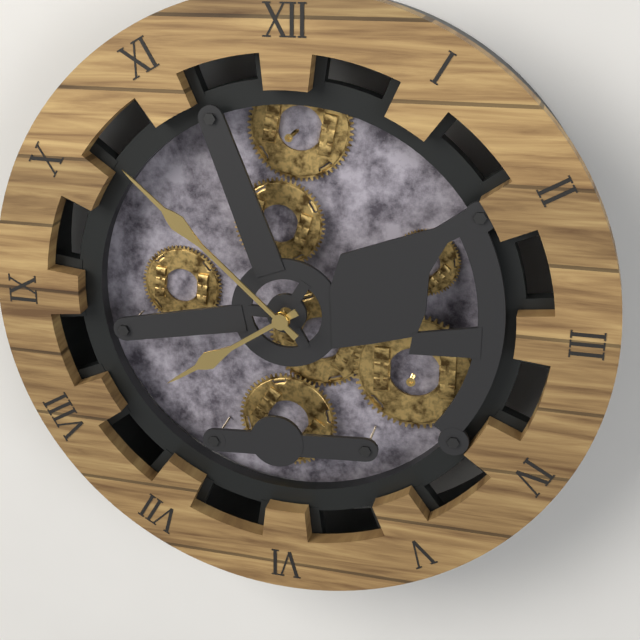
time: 7:52
